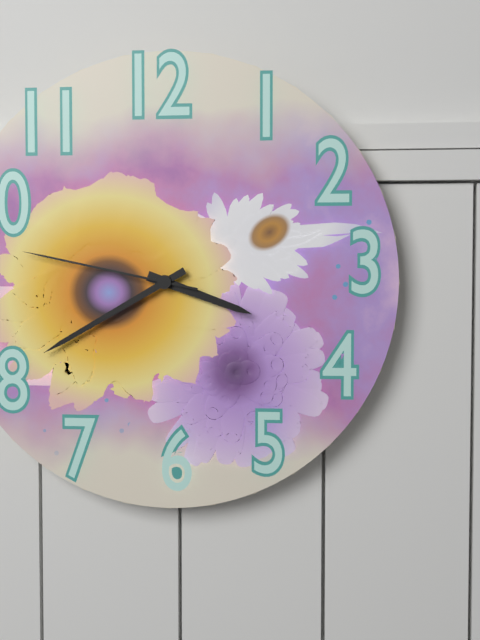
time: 3:40:47
